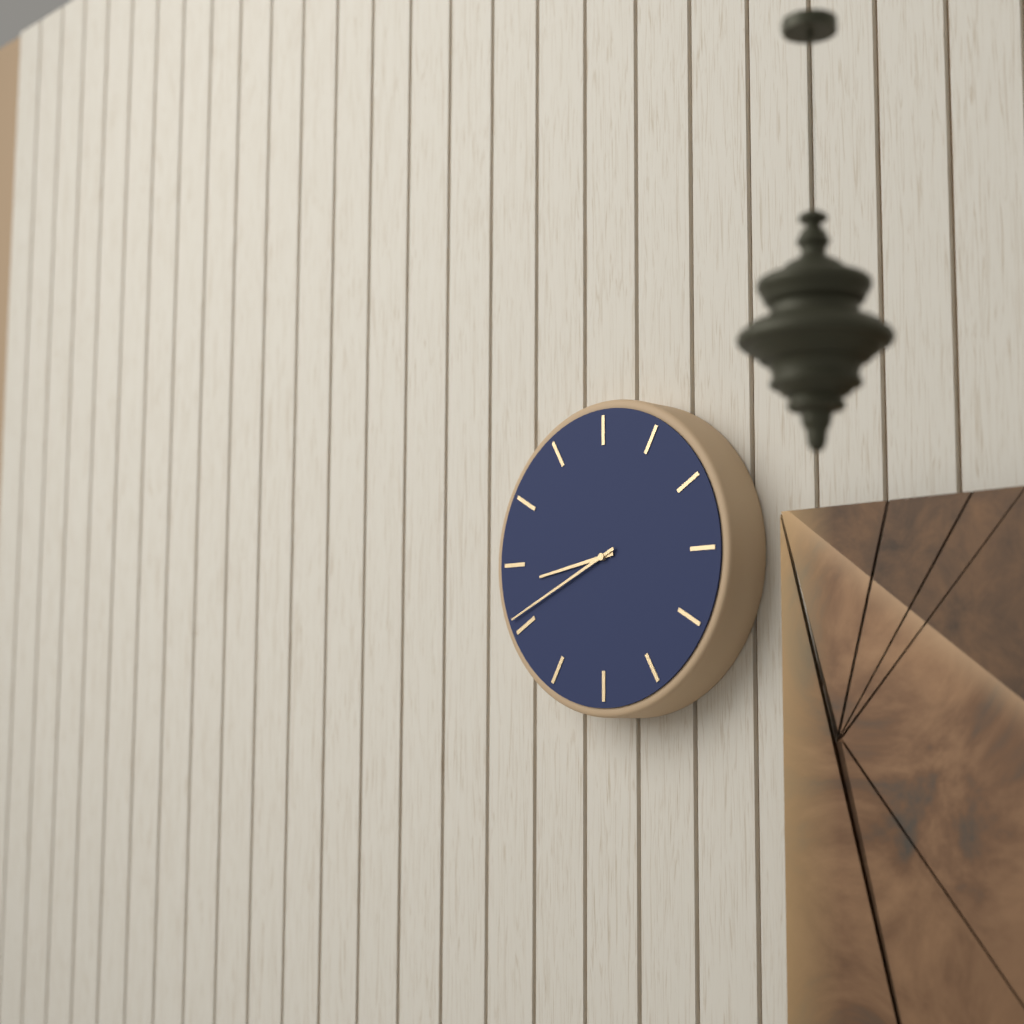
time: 8:41
